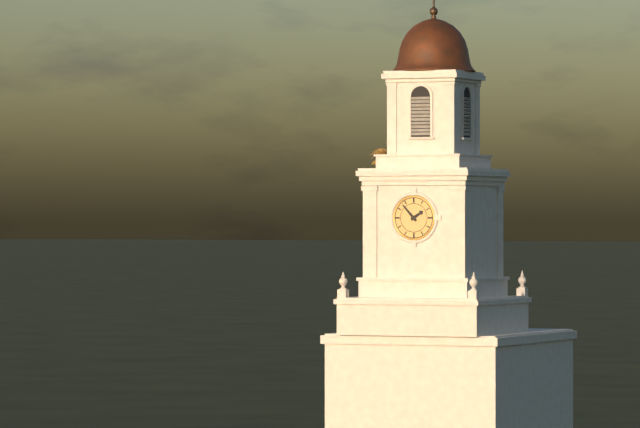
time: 1:53
